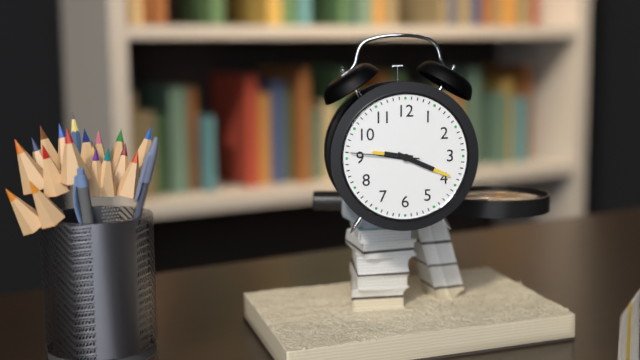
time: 9:19:46
